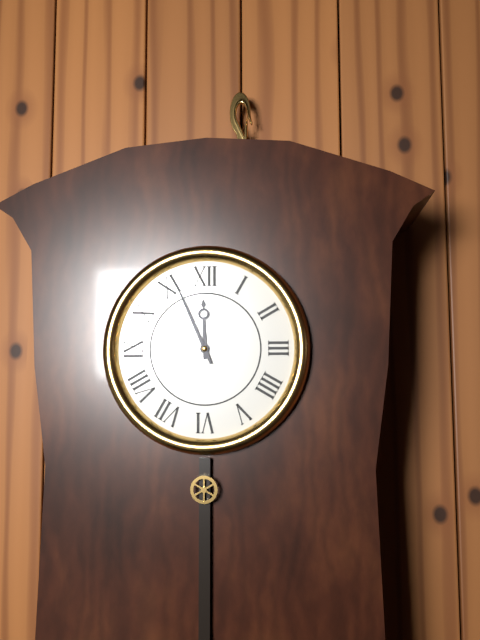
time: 11:56
